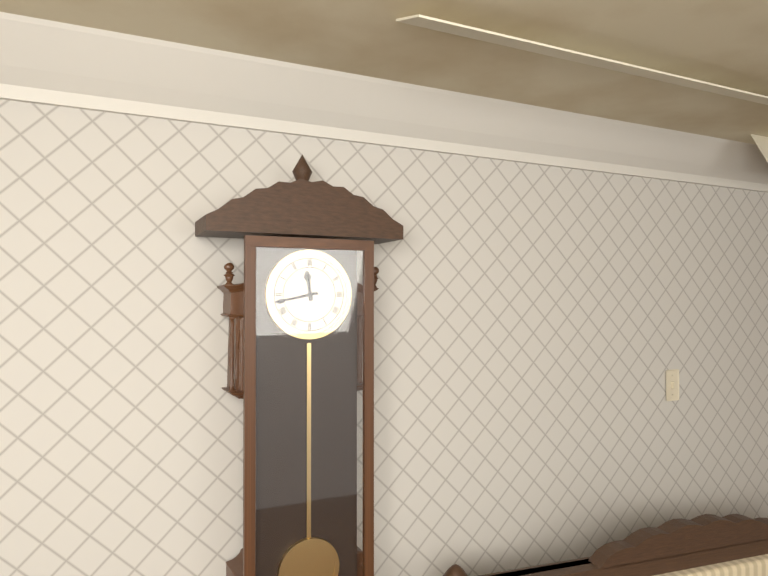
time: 11:43
